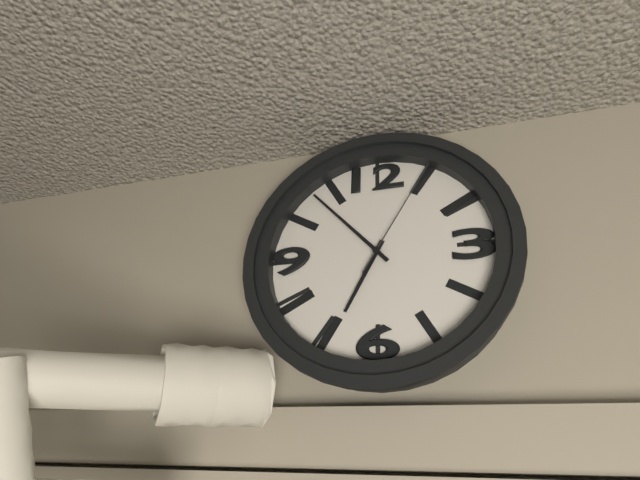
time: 6:53:05
